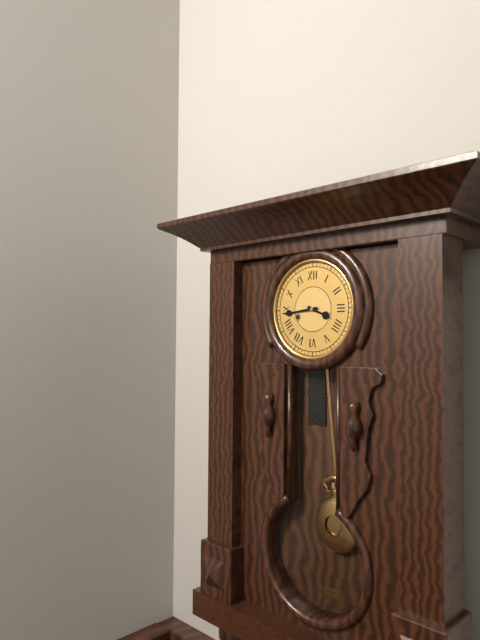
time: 3:44
